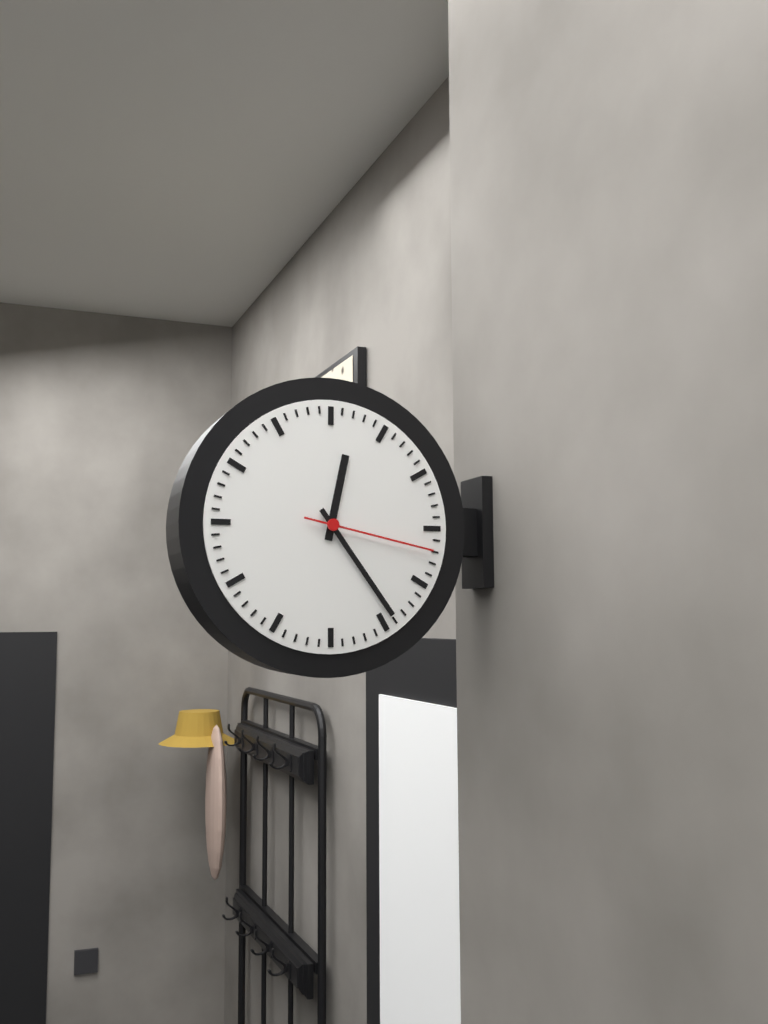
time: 12:24:17
